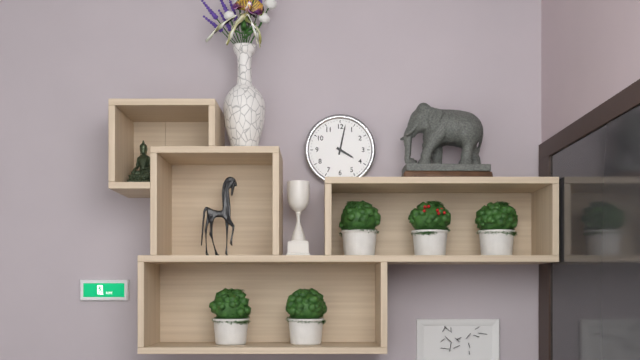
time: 4:02
